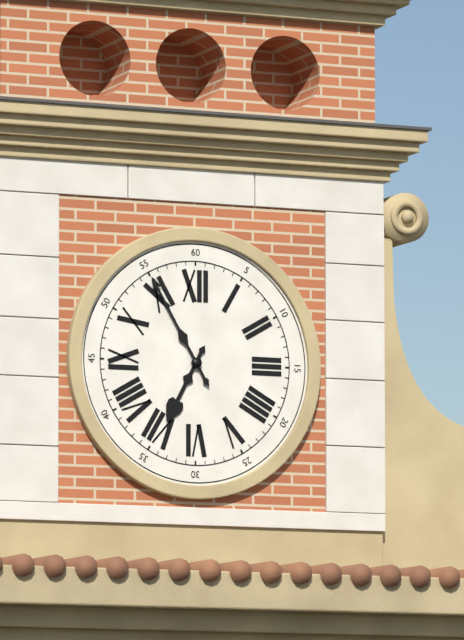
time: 6:55
